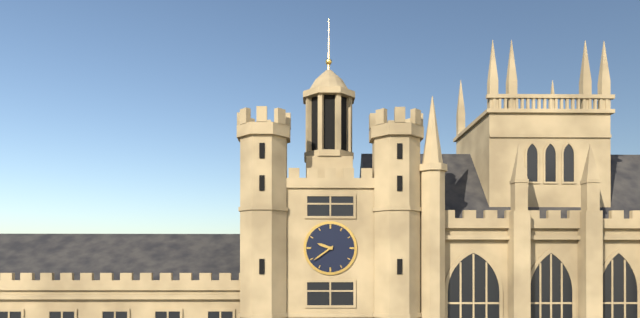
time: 9:39
